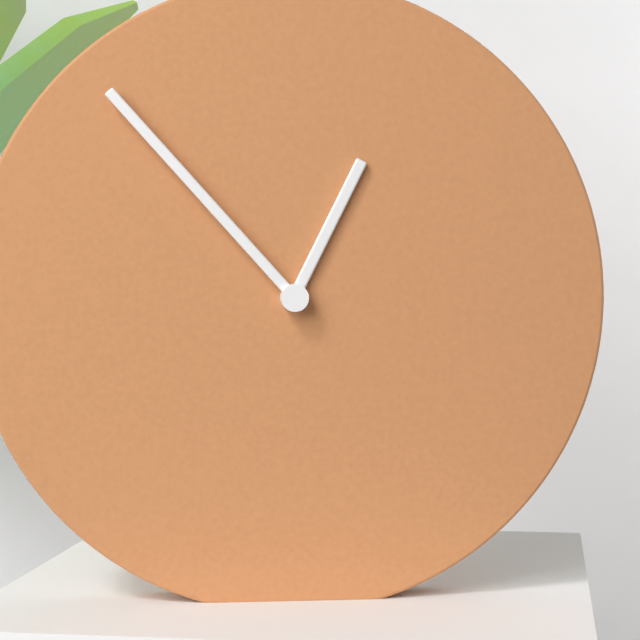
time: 12:53
